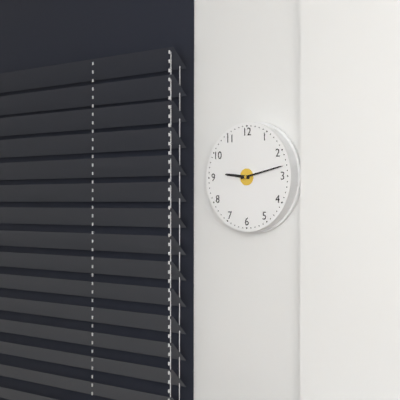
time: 9:13
